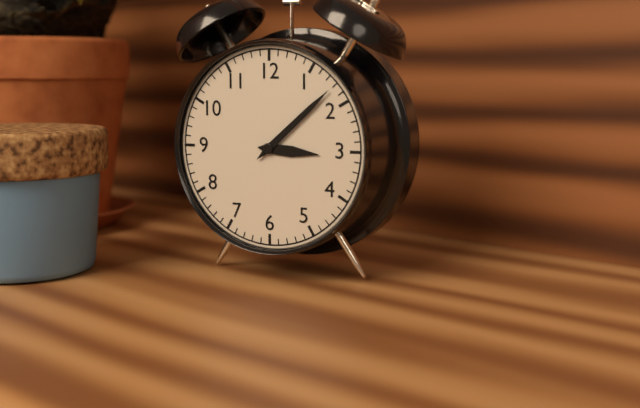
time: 3:08
